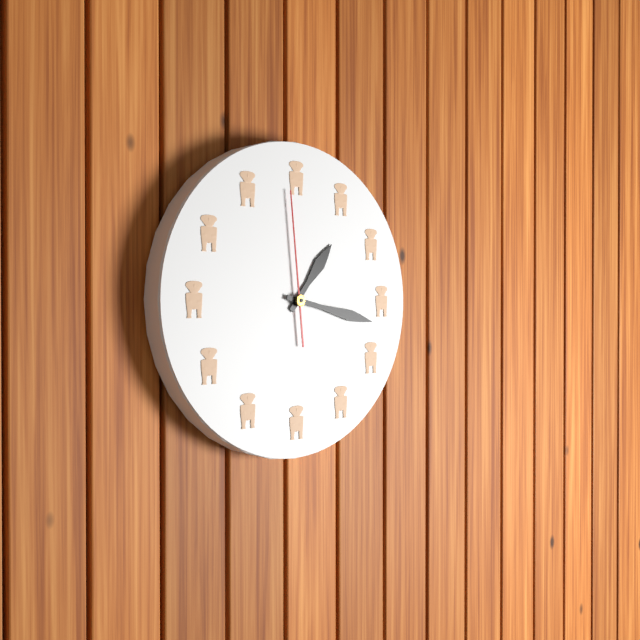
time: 1:17:59
